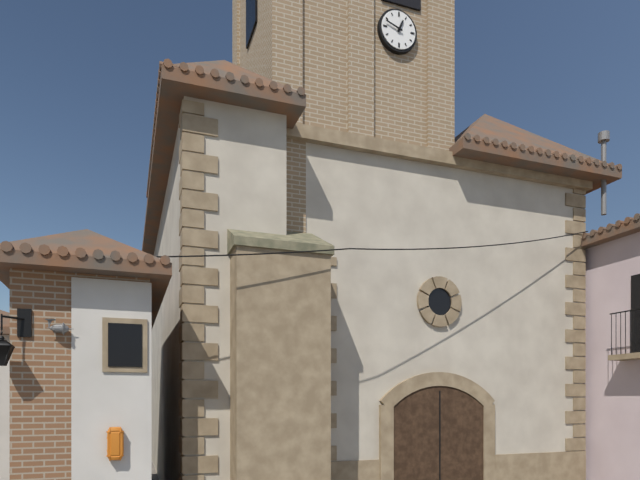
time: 12:48
